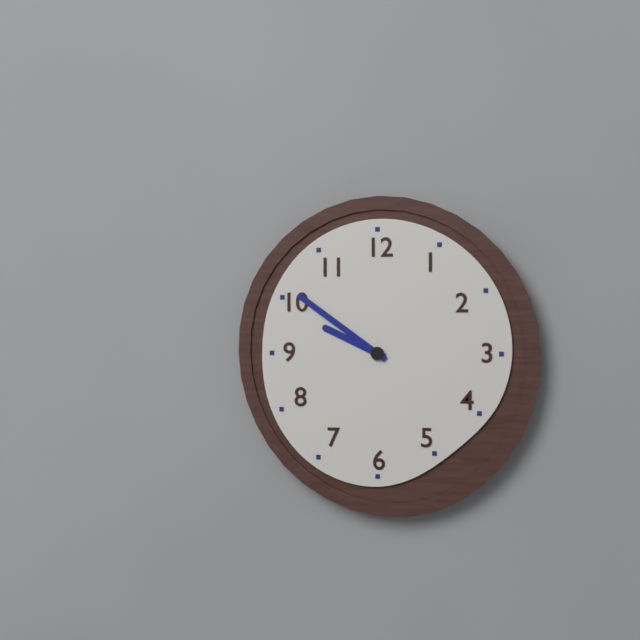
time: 9:51
